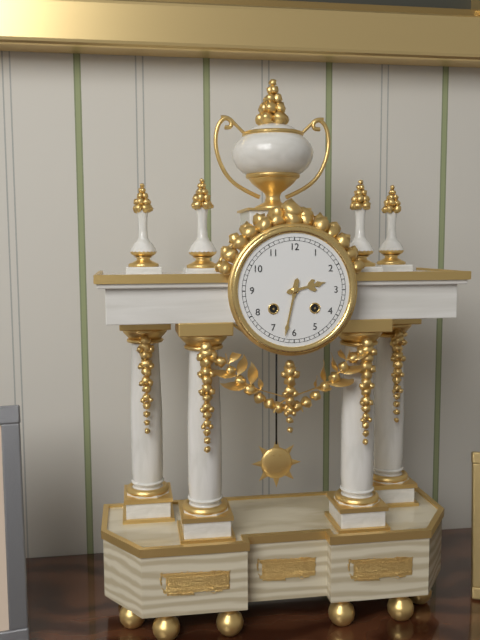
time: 2:32
